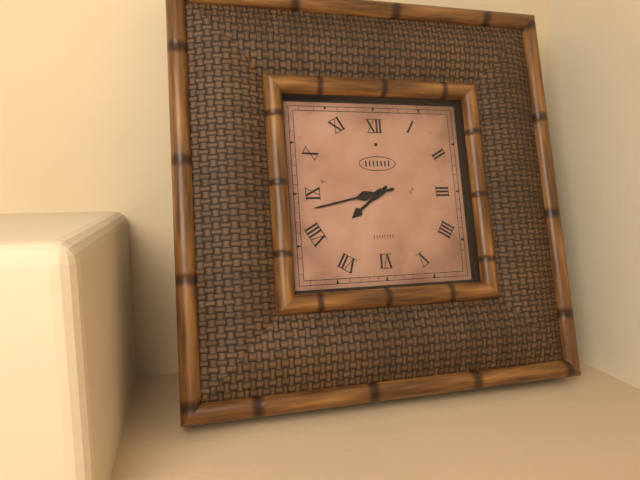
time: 7:43
